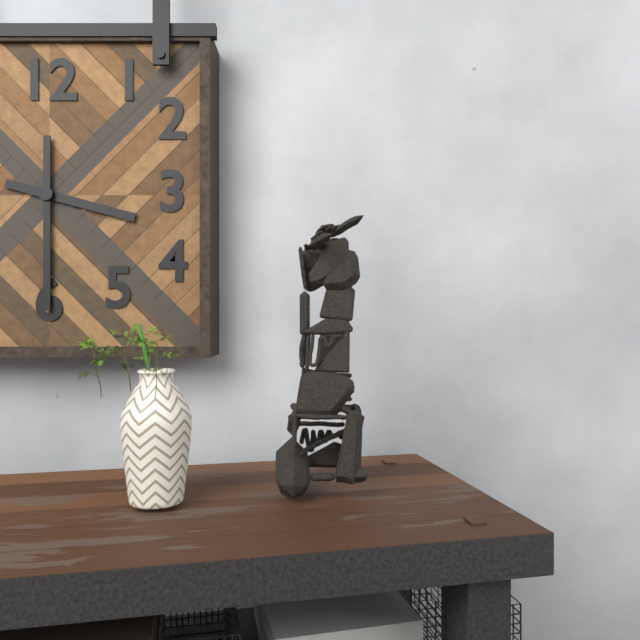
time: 3:30
